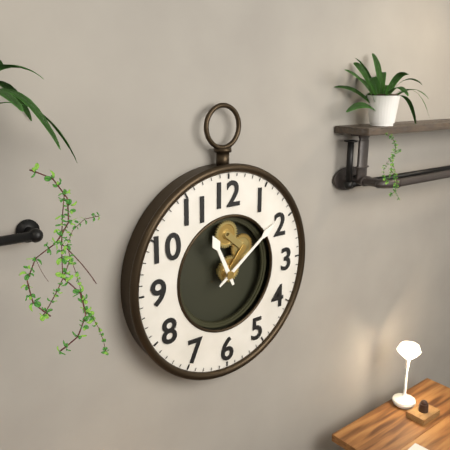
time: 11:09
